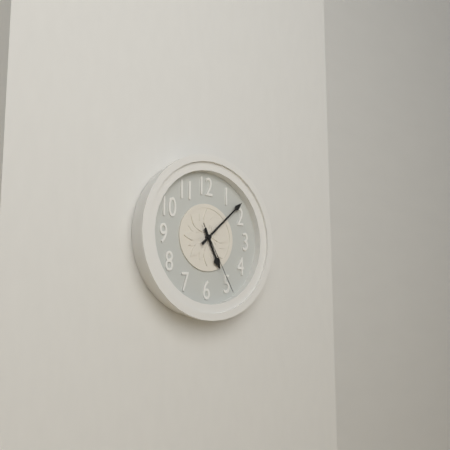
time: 5:08:25
